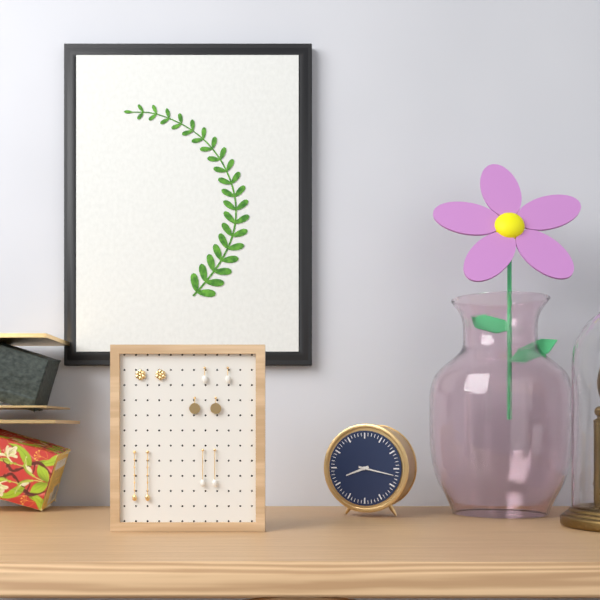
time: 8:17
